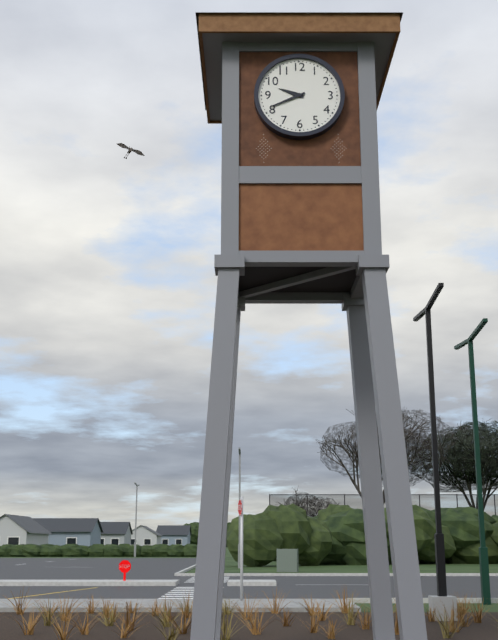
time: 9:41
